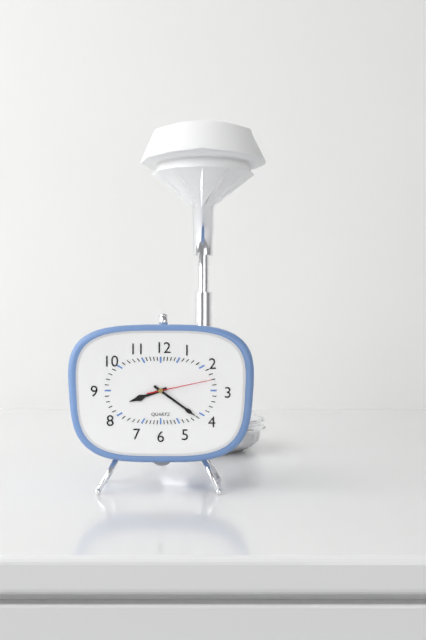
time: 8:21:13
